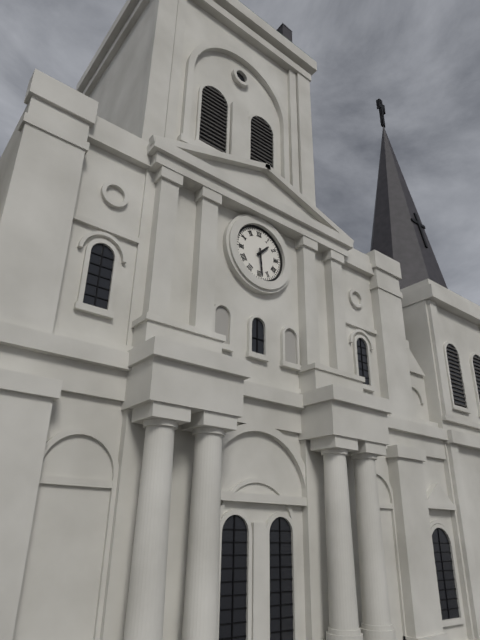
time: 1:29
